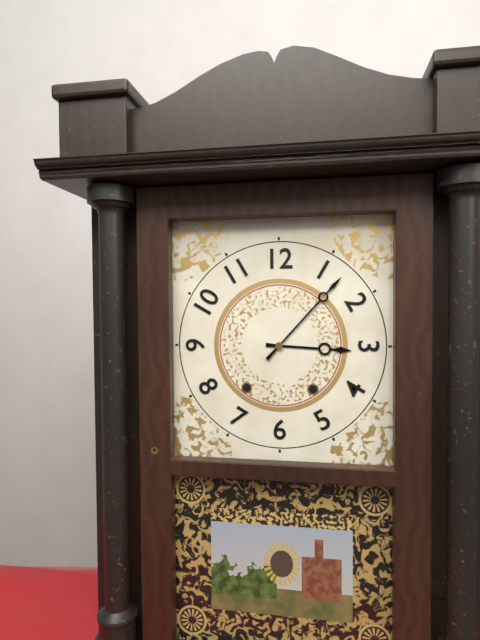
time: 3:07
